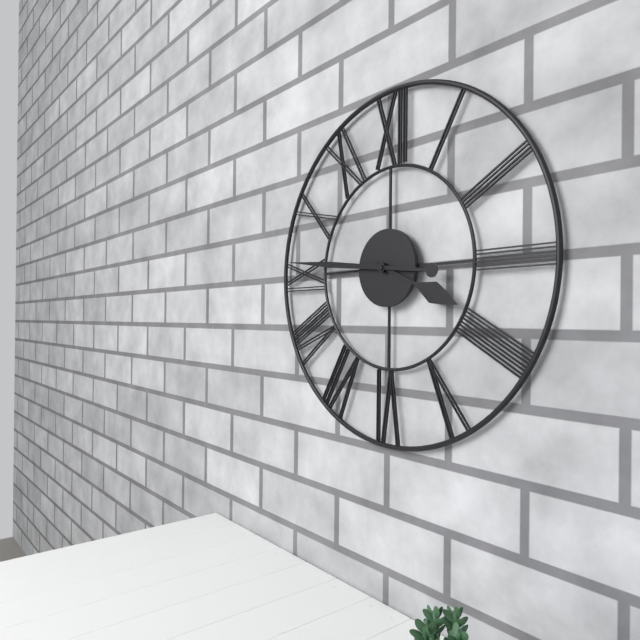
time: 3:46
